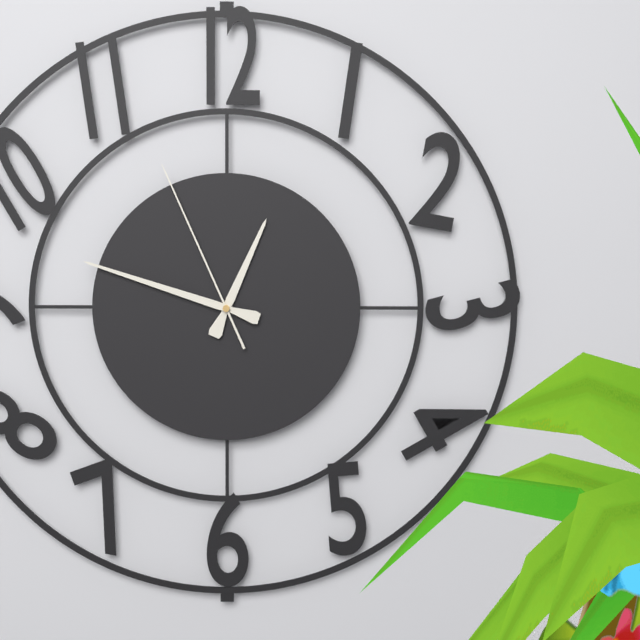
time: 12:48:56
